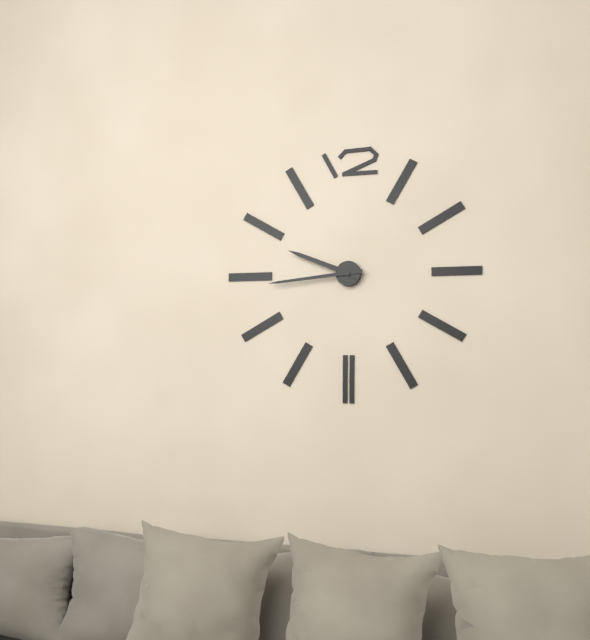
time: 9:44
